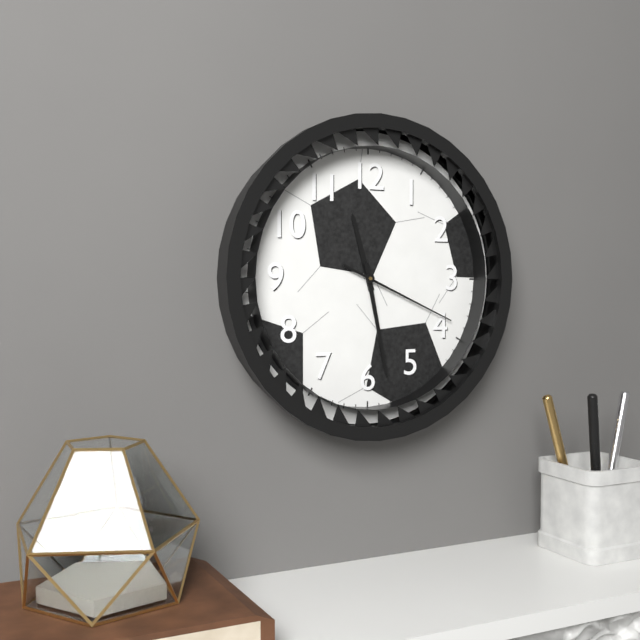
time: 11:28:19
